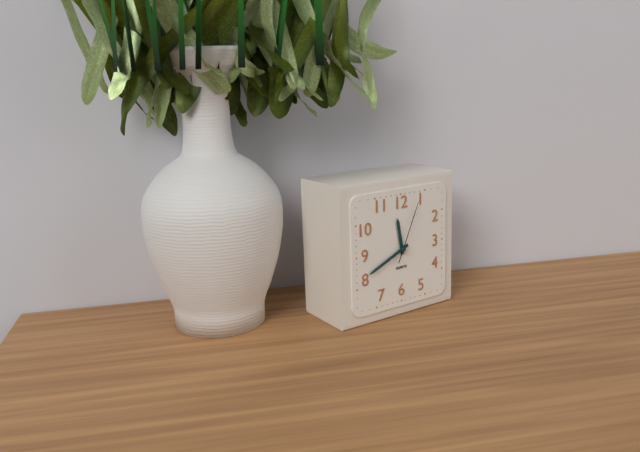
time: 11:41:04
